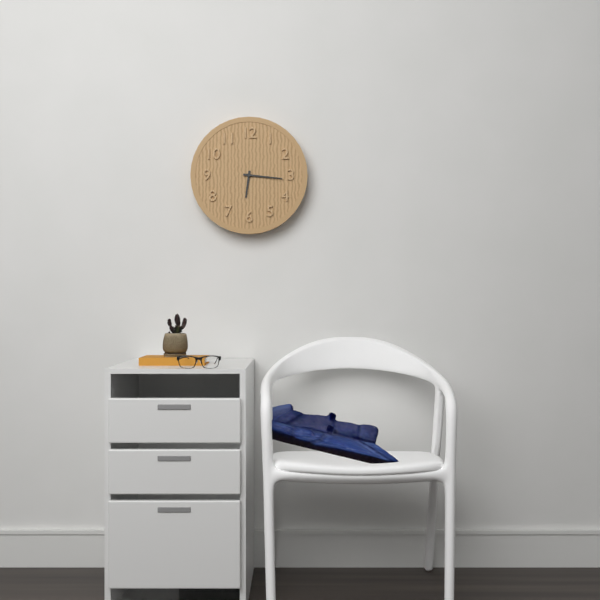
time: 6:16
